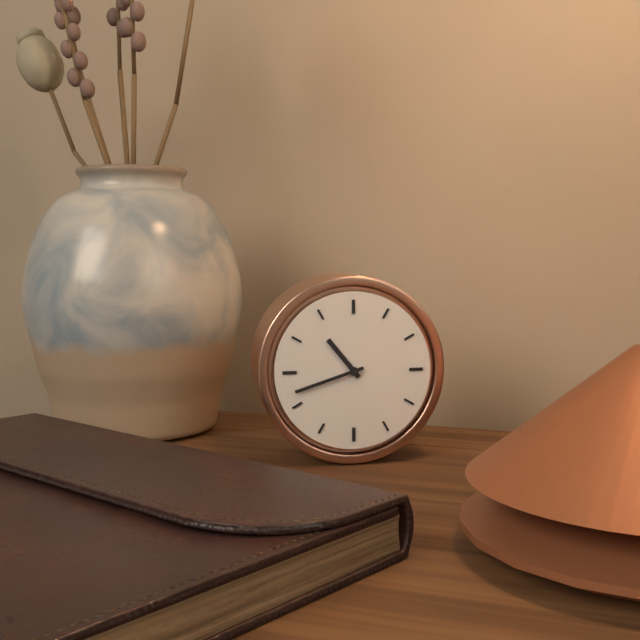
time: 10:42
